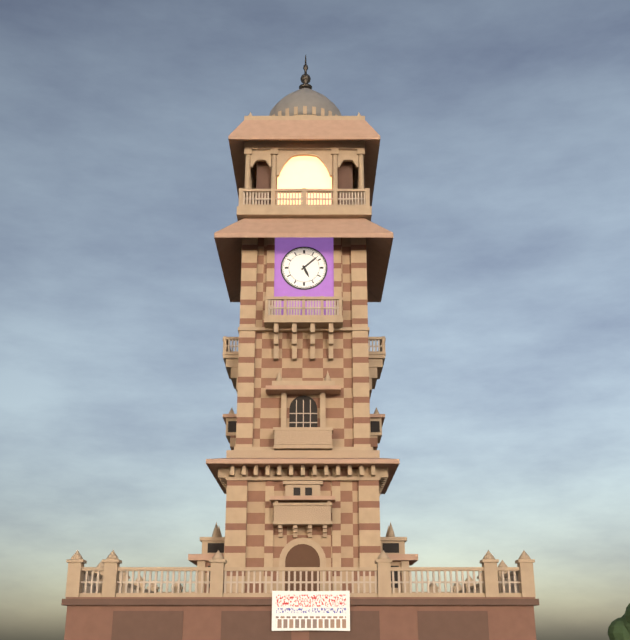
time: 5:08
